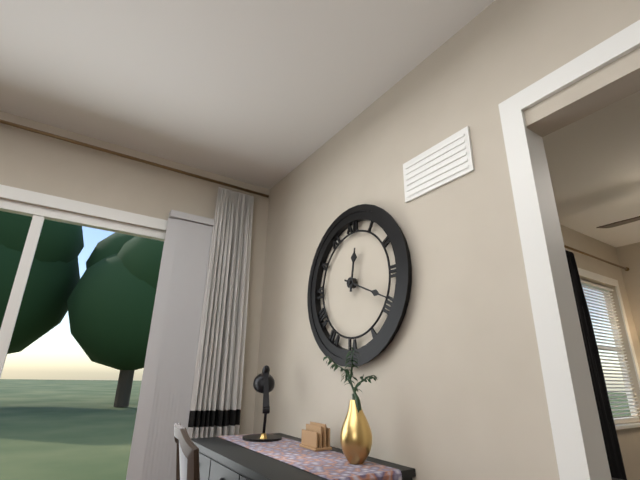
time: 12:19
